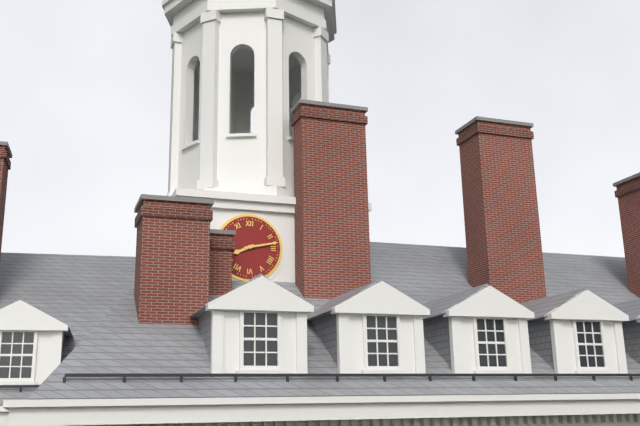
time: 8:13
